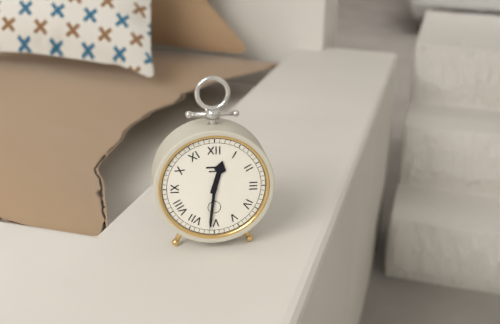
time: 12:31
